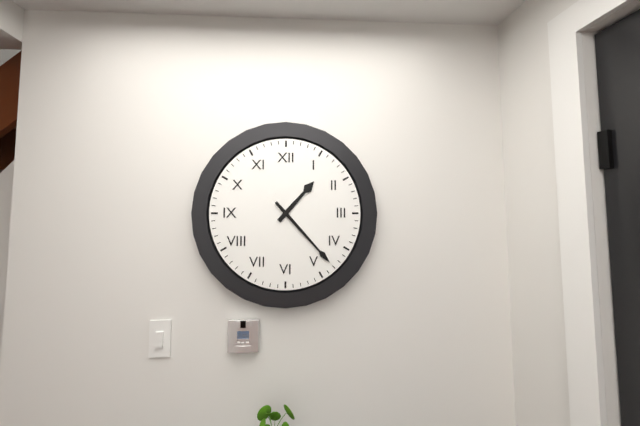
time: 1:23
